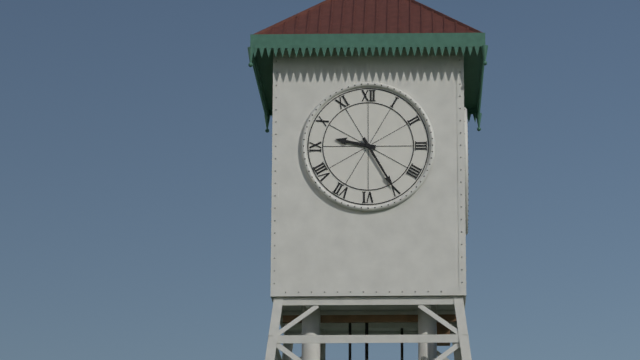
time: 9:25
